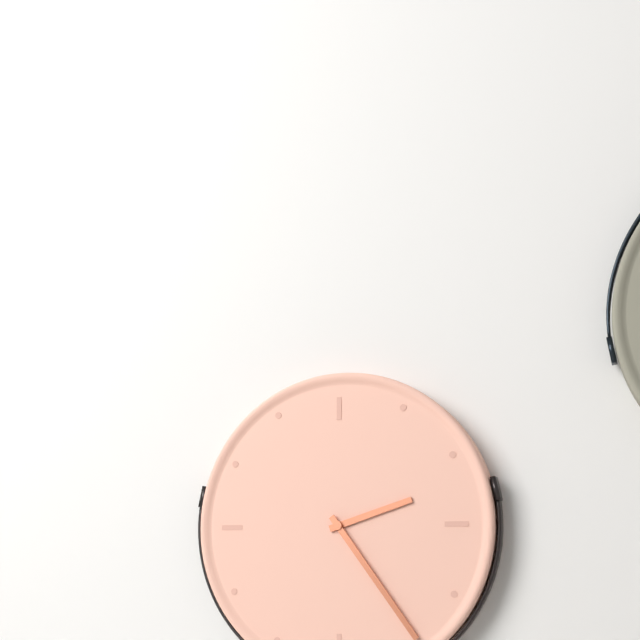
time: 2:24
